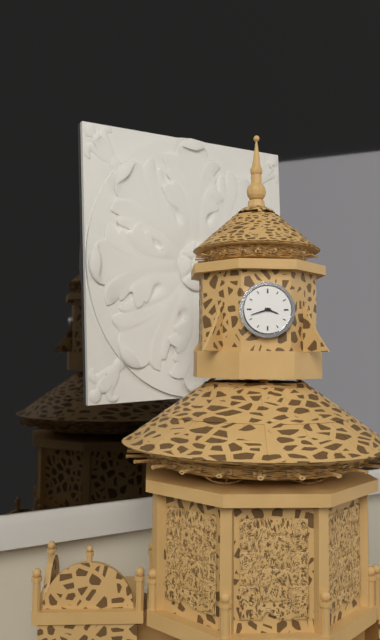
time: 3:42
